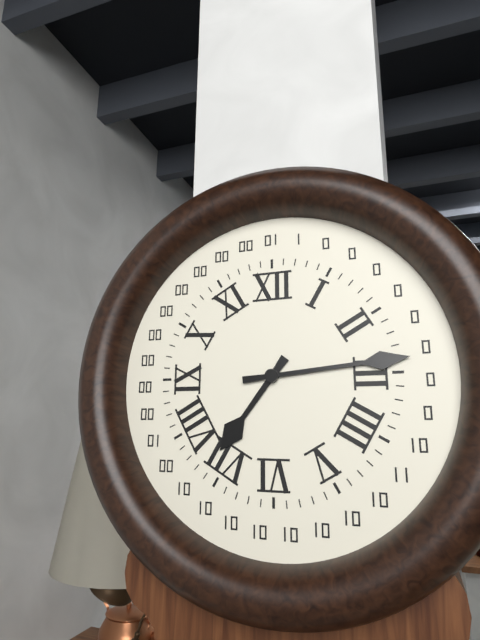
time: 7:14
